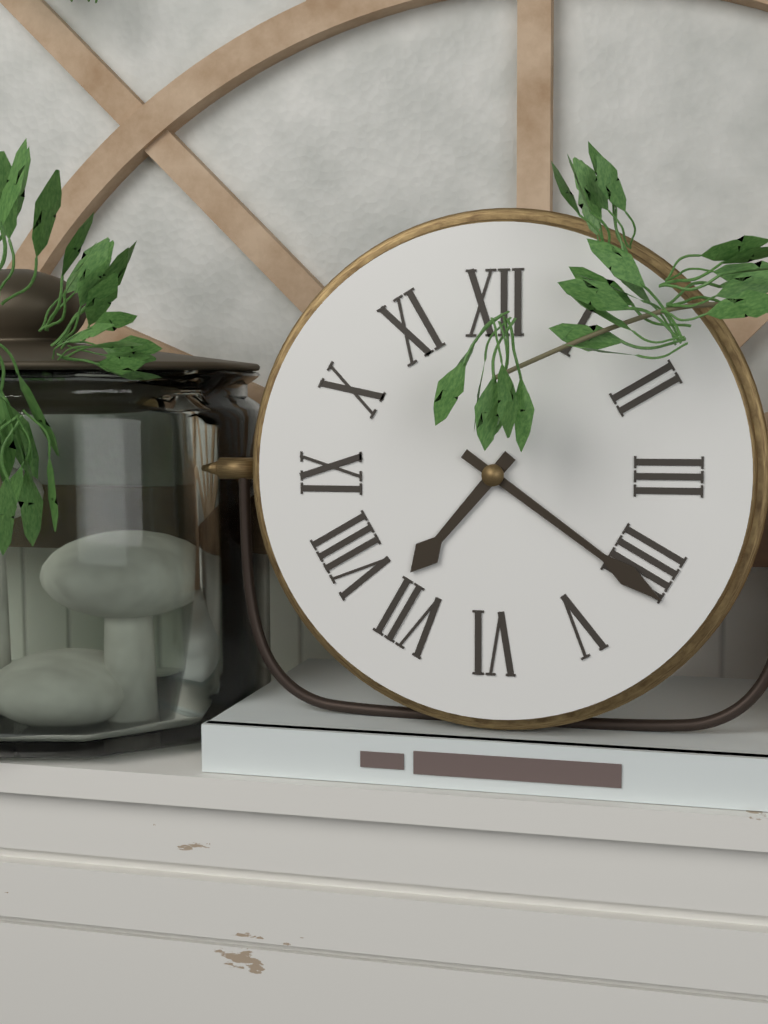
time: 7:21
